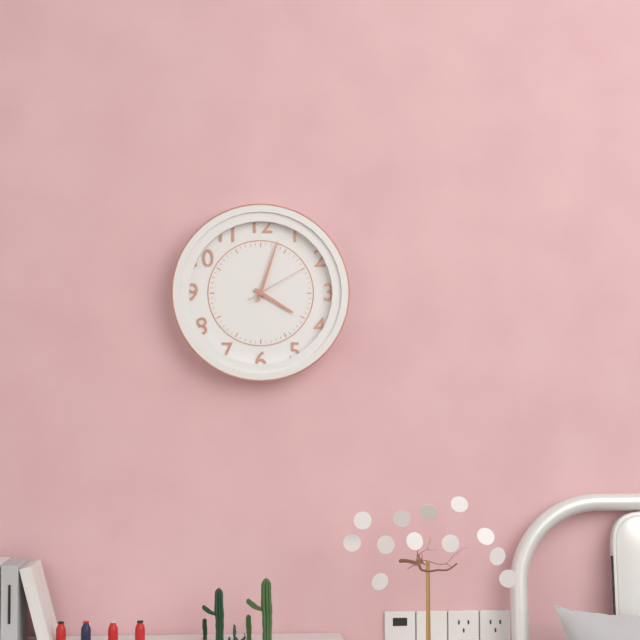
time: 4:03:10
